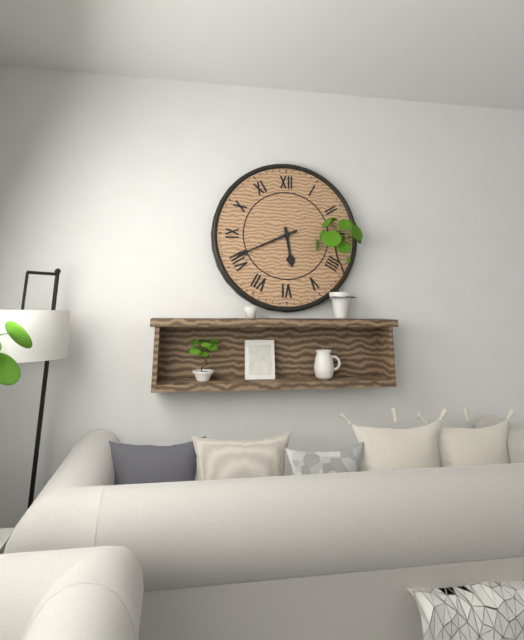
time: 5:41
